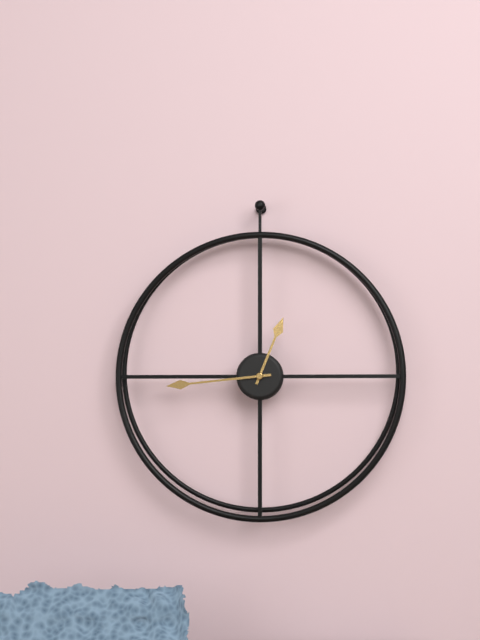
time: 12:44
